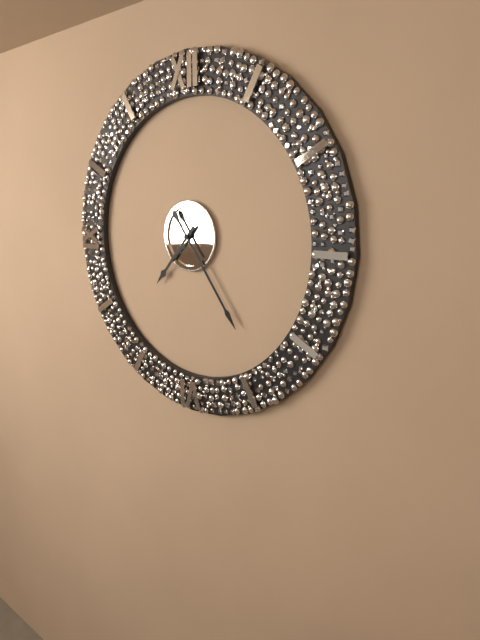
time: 7:24
